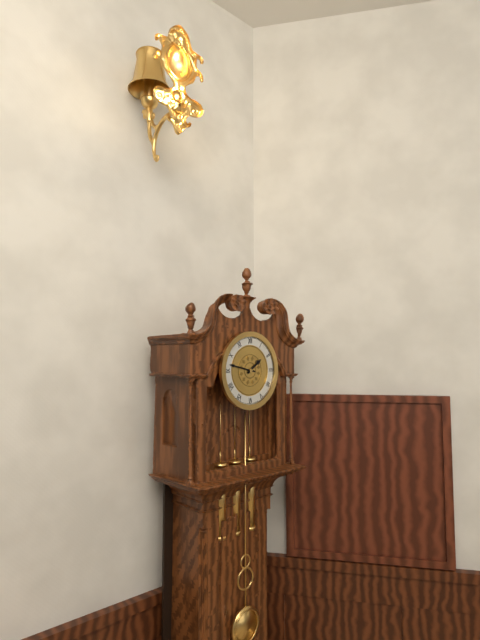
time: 1:47
